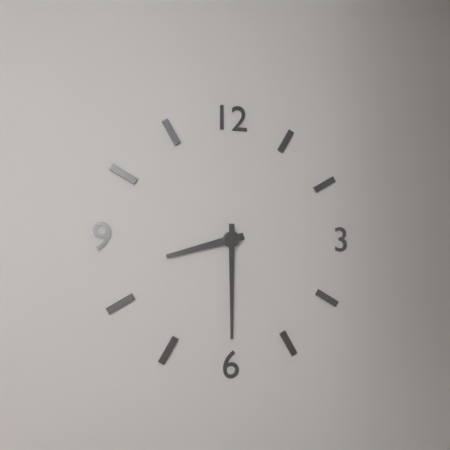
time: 8:30
